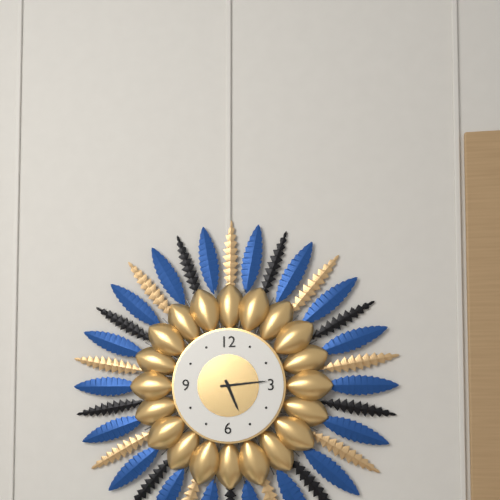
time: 5:14
